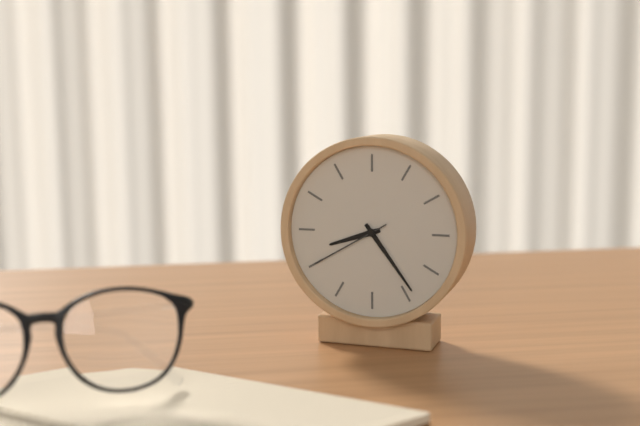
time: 8:24:40
